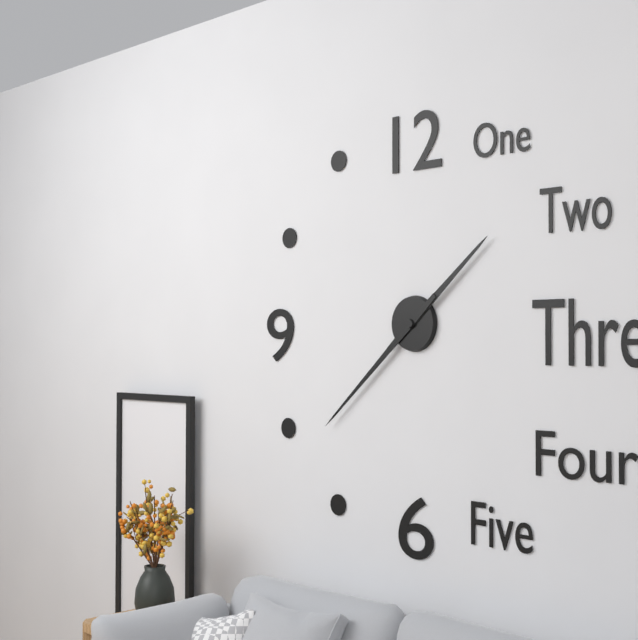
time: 1:38
